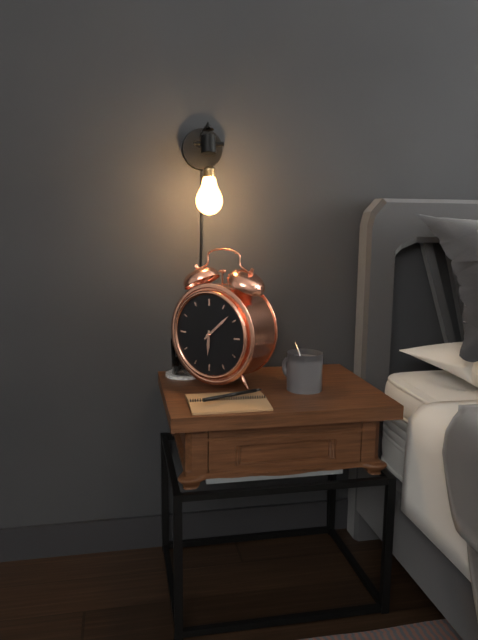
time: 6:08
